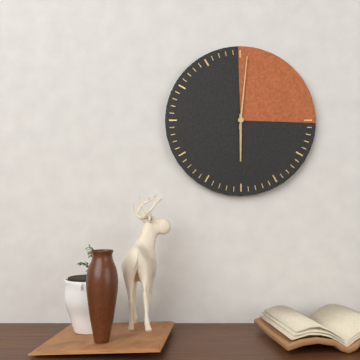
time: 6:01
